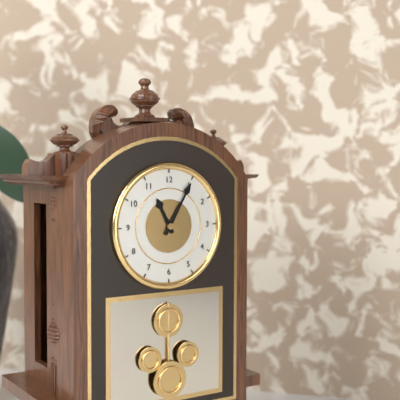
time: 11:05
